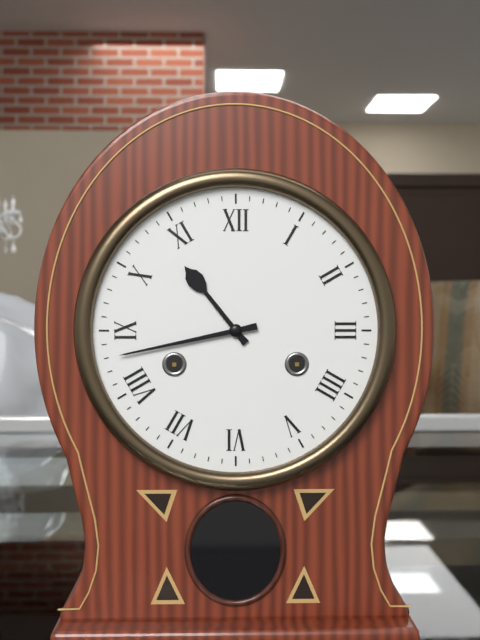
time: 10:43
